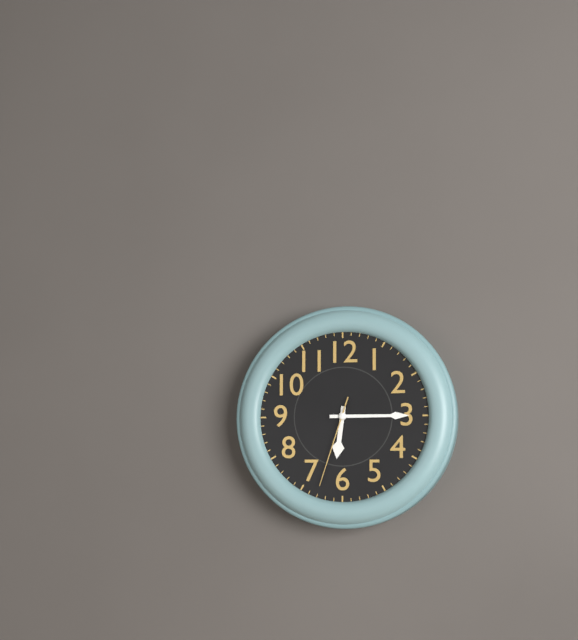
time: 6:15:33
